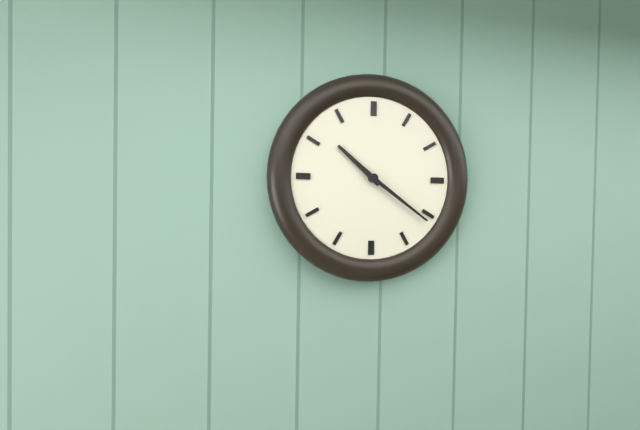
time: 10:21
